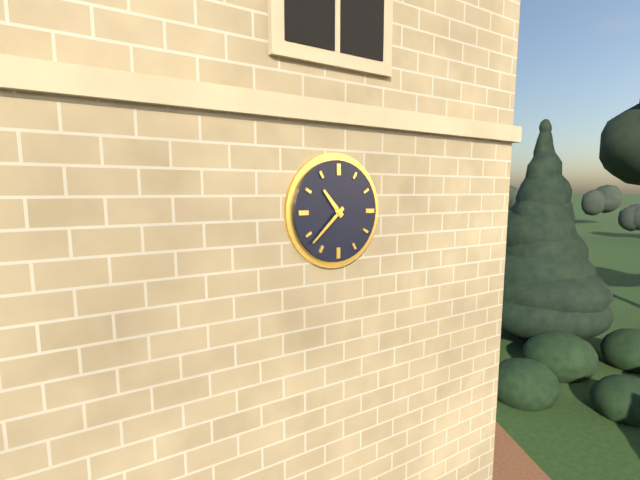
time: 10:38
